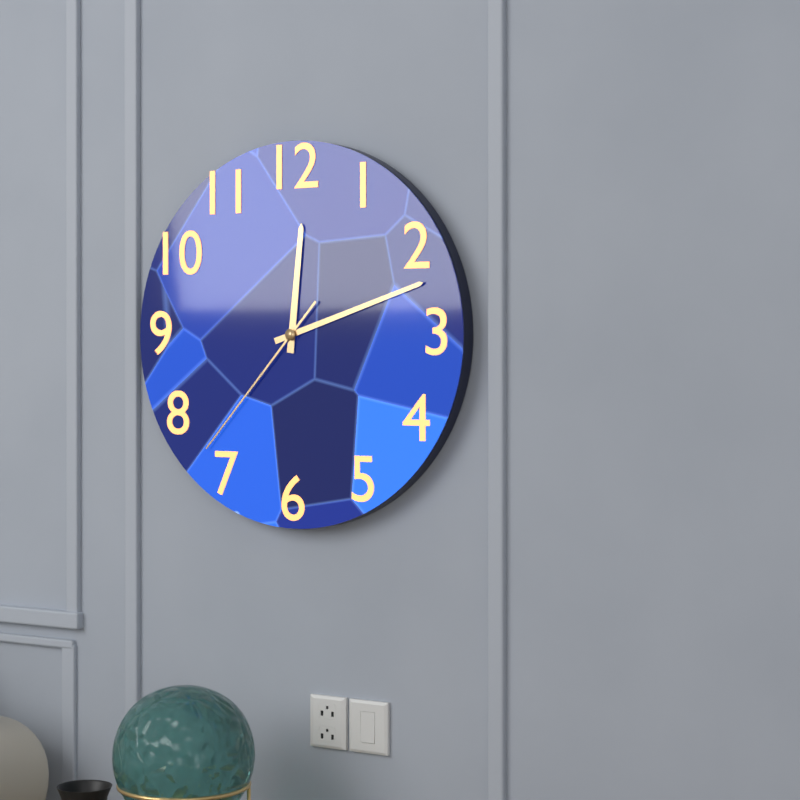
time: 12:12:37
